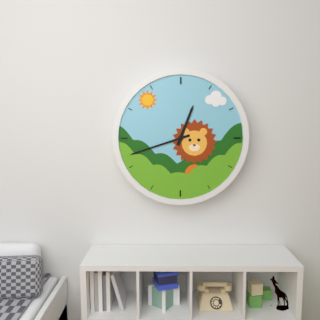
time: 12:42
